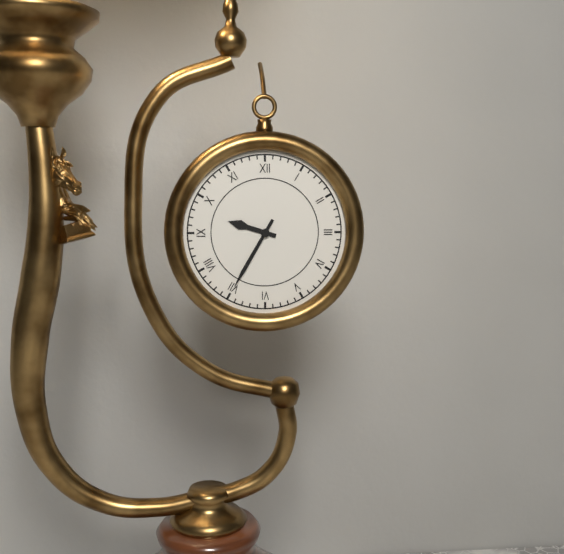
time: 9:35
